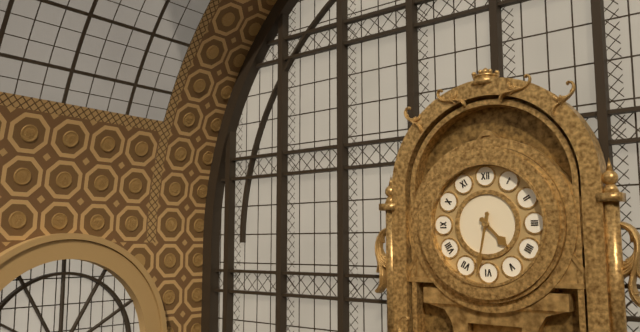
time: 4:32
